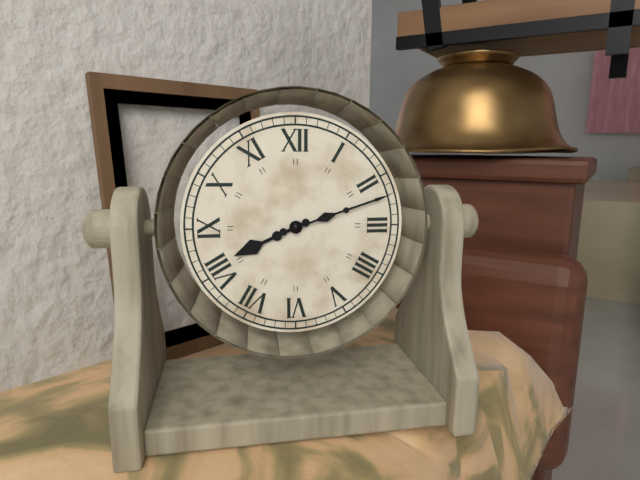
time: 8:12
